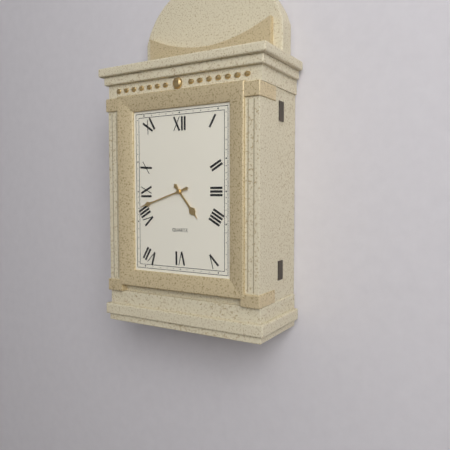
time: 4:42
